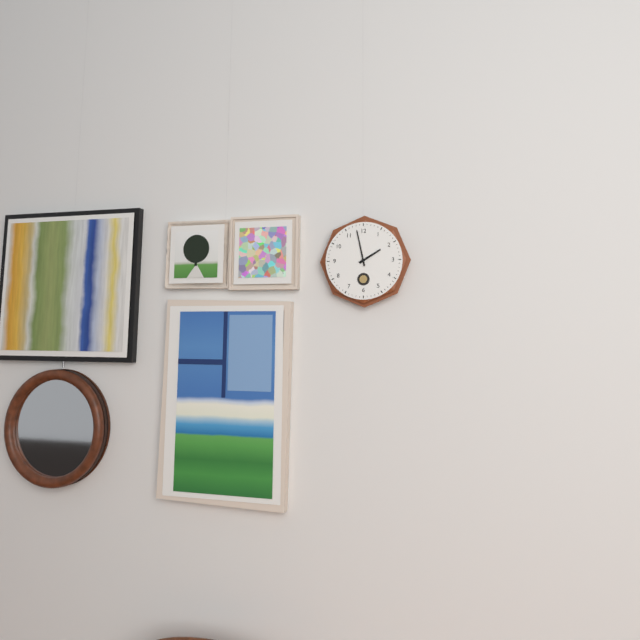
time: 1:58
